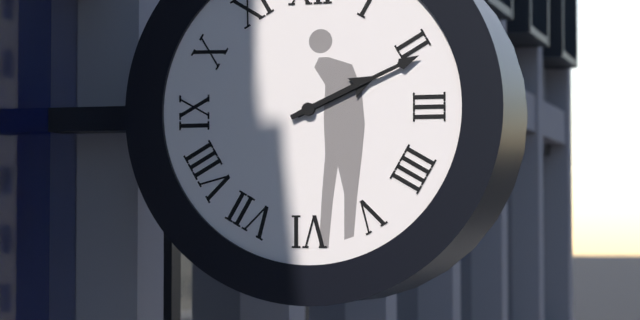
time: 2:11
